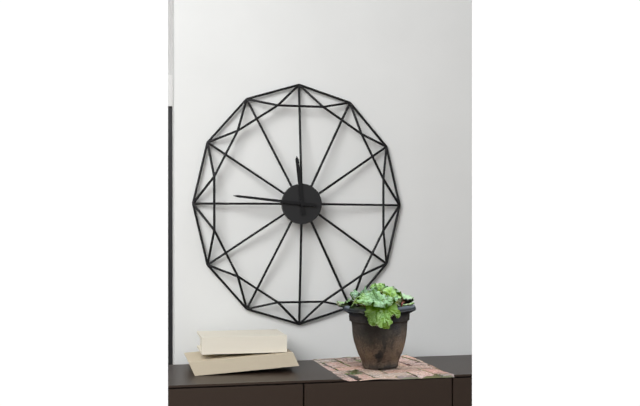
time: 11:46
